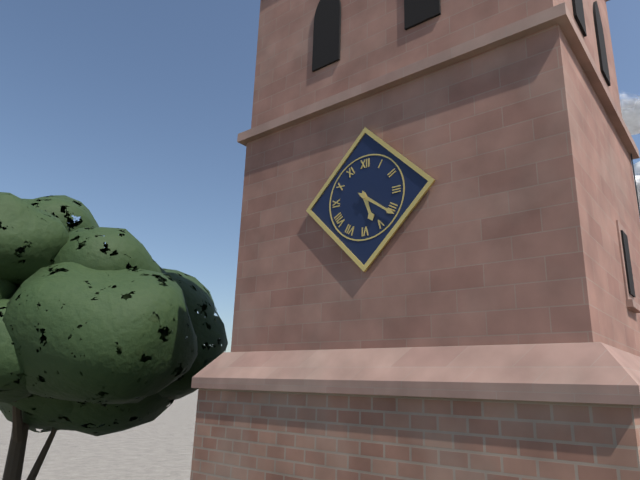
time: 5:21
